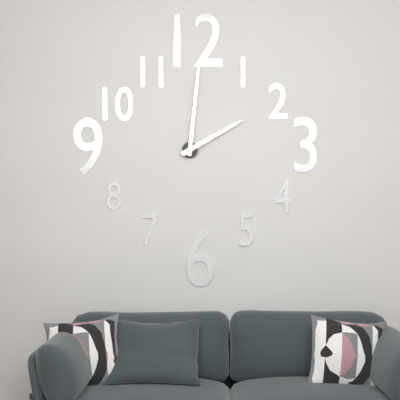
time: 2:01
